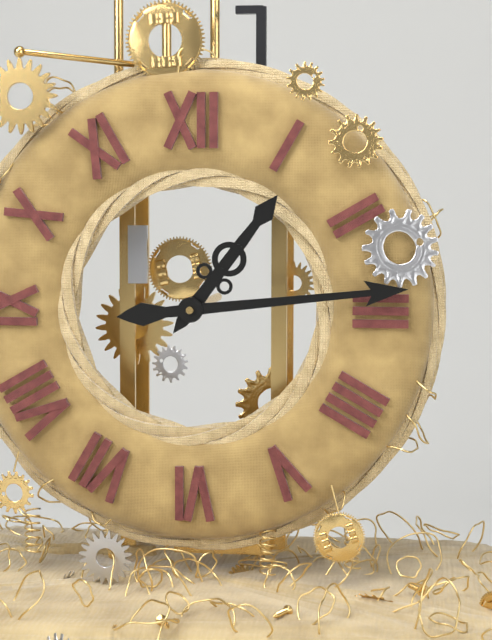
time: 1:14
